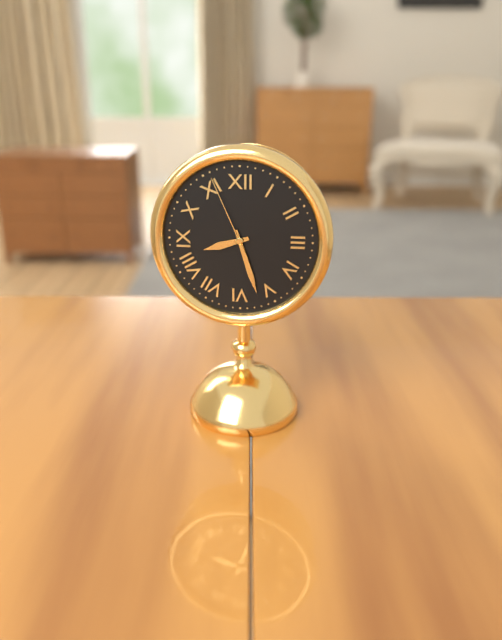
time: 8:27:56
